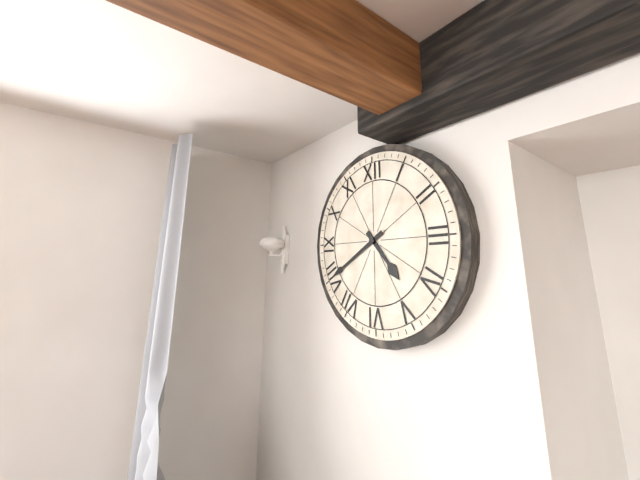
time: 4:40
